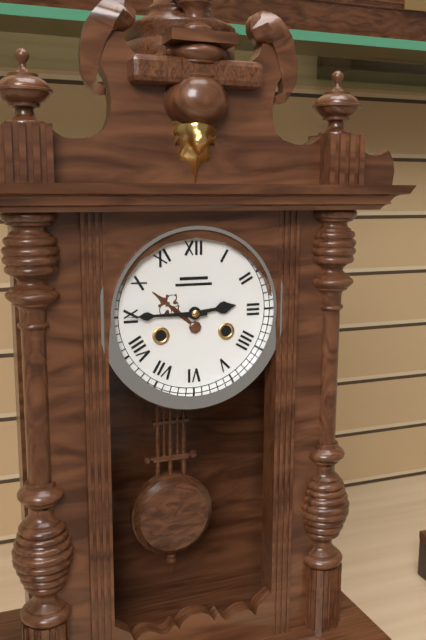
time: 2:45
